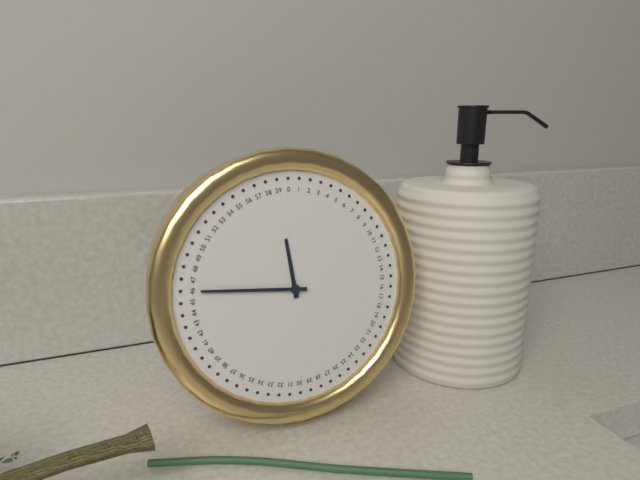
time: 11:46
